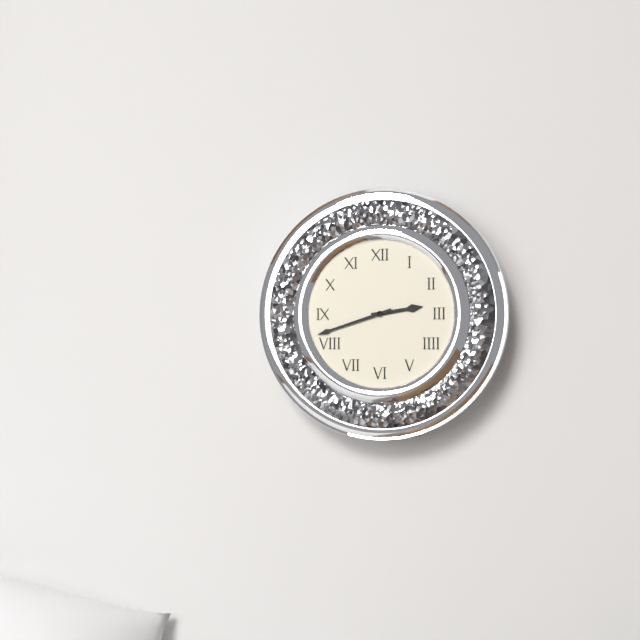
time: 2:42
